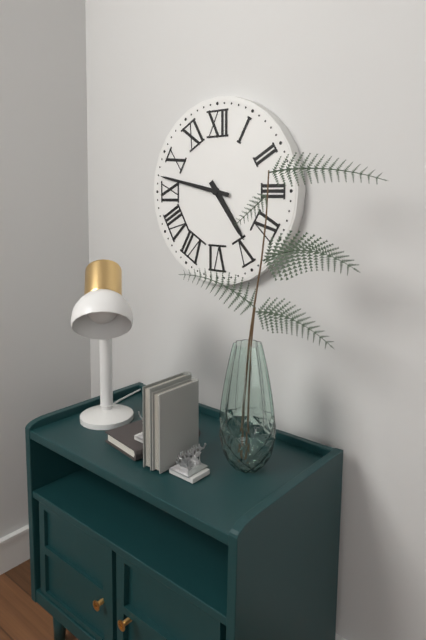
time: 4:47
